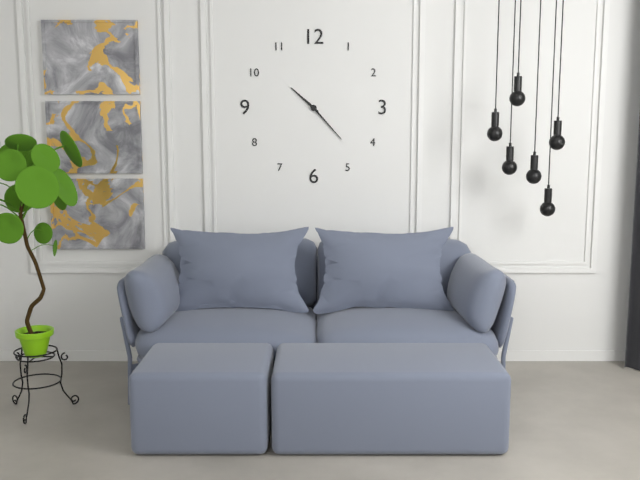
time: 10:23
